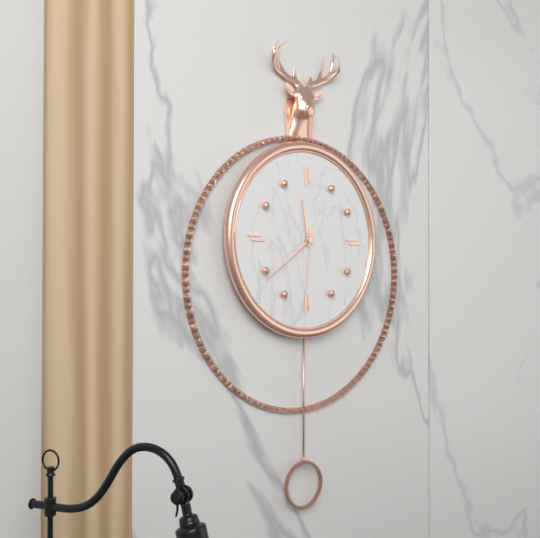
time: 11:39:31
